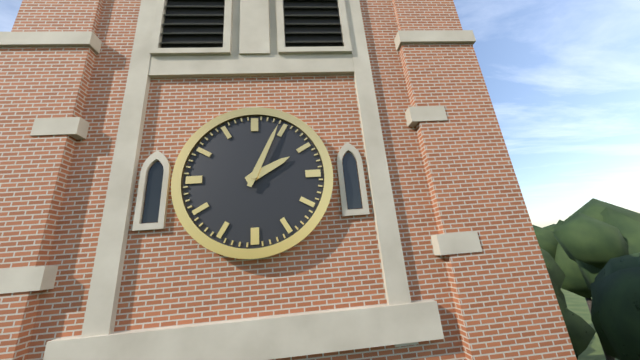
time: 2:04
